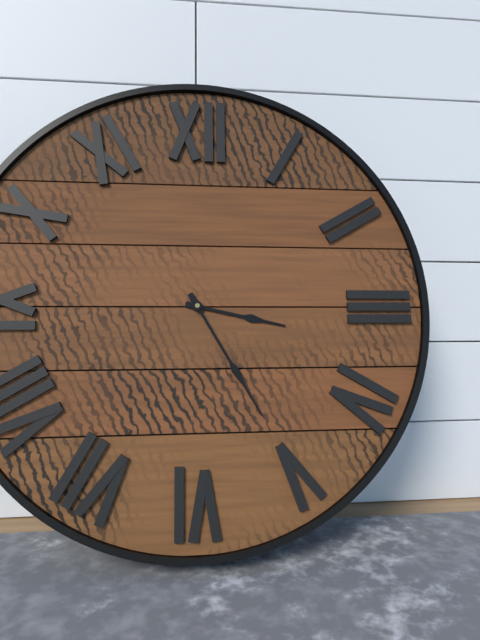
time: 3:25
